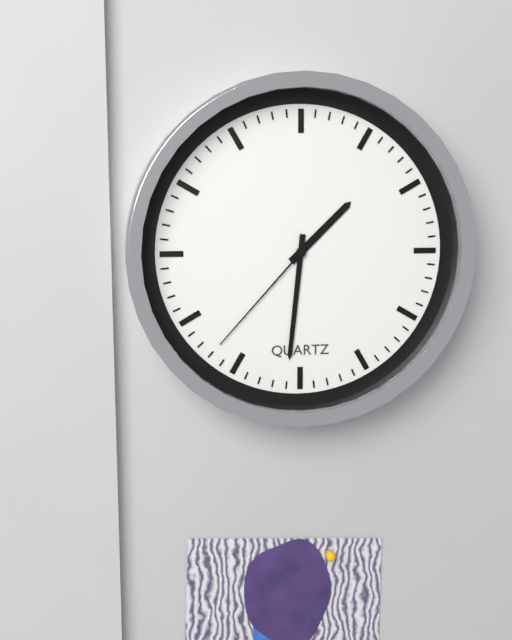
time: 1:31:37
